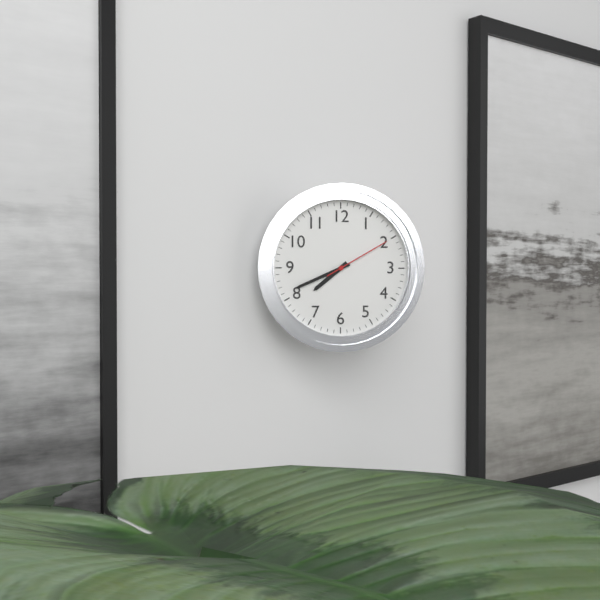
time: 7:41:10
